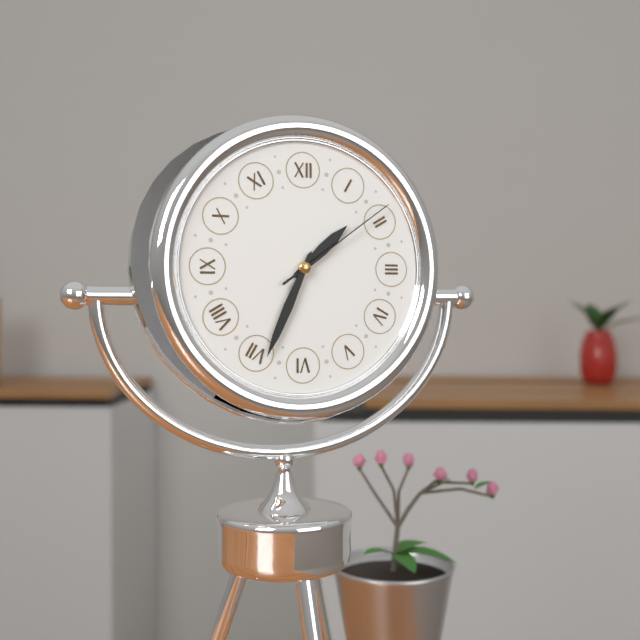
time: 1:34:09
